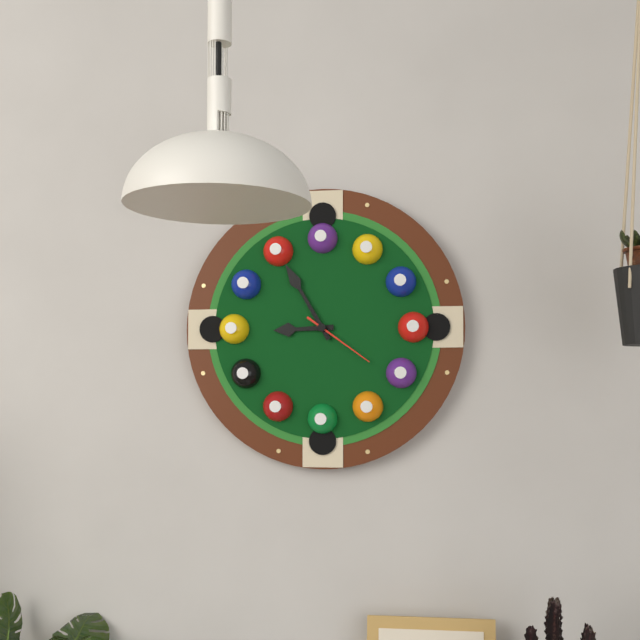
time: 8:55:21
